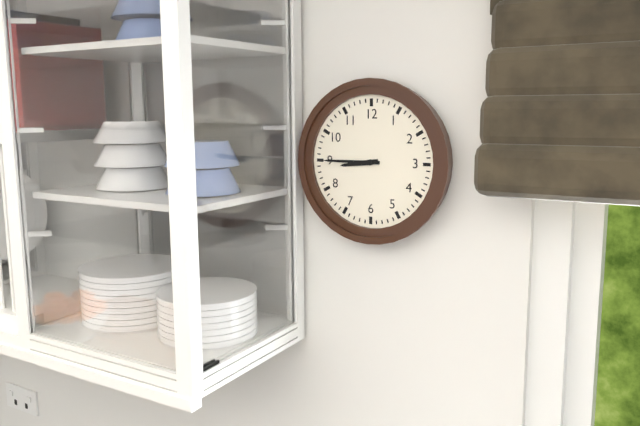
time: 8:45
